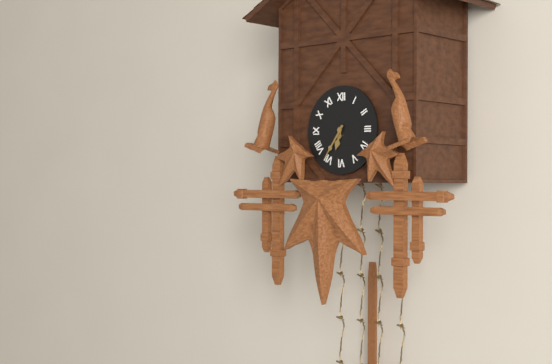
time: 6:36
